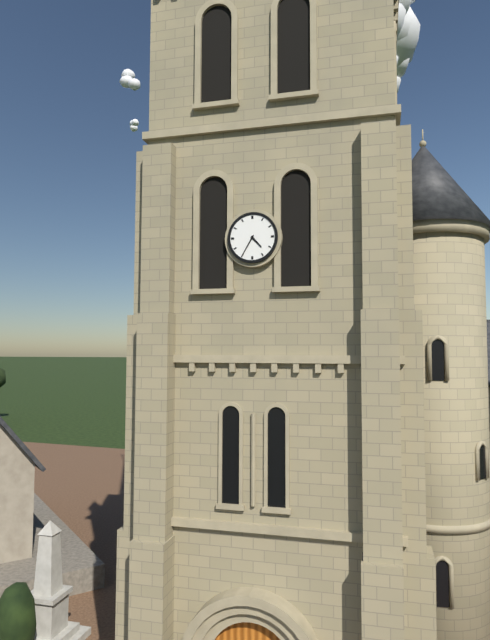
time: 4:35
